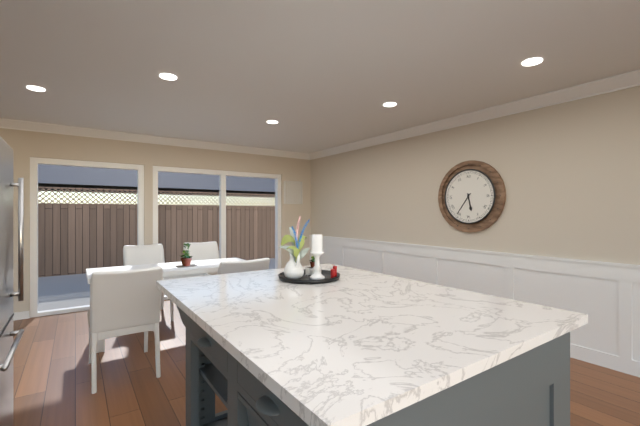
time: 5:36
